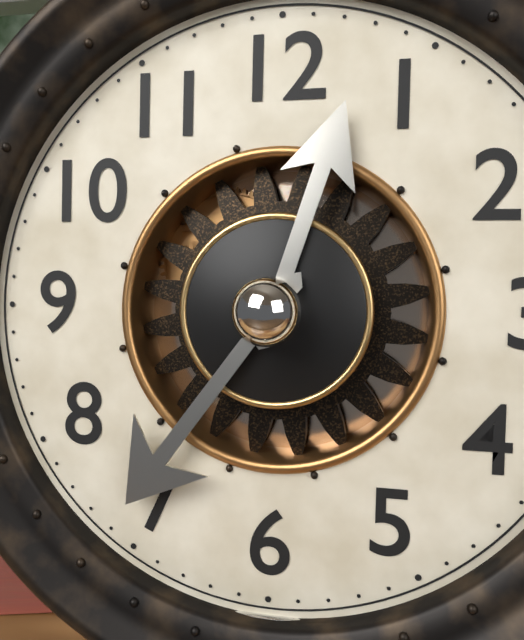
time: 12:36
